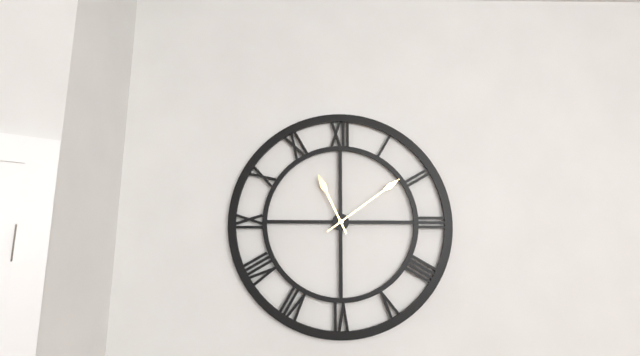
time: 11:09
